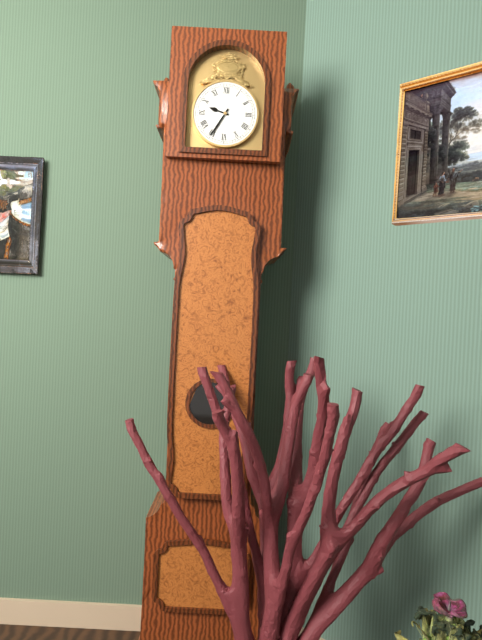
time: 9:35
